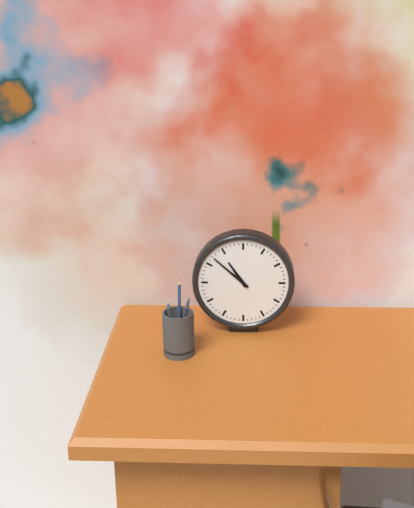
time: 10:52
